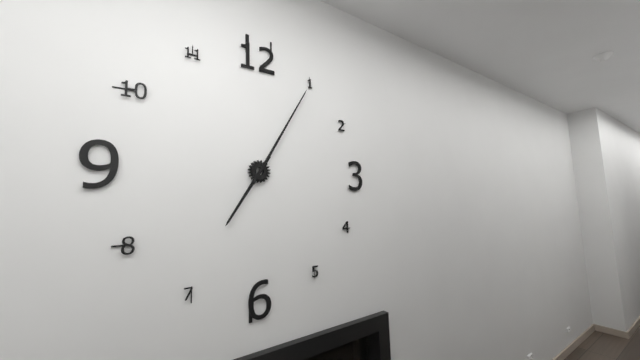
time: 7:05
